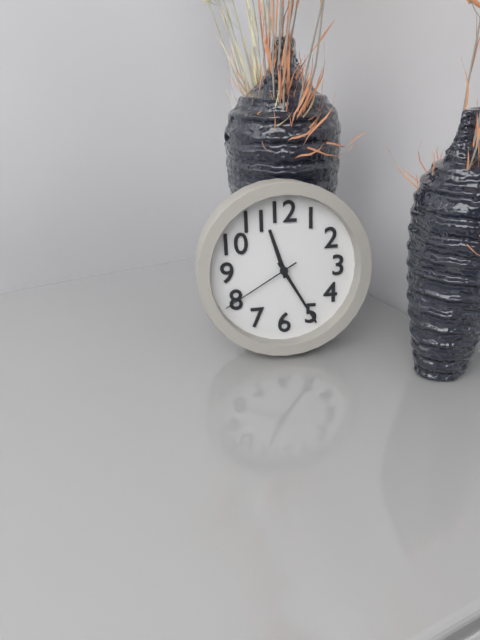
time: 11:25:40
